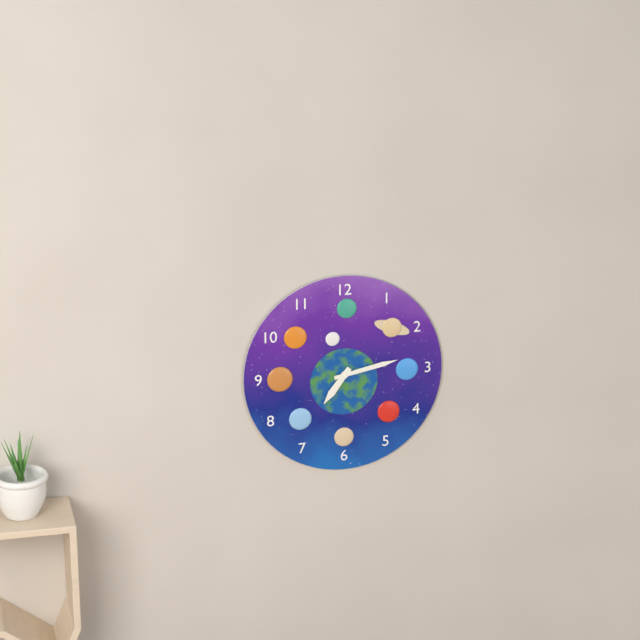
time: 7:13
